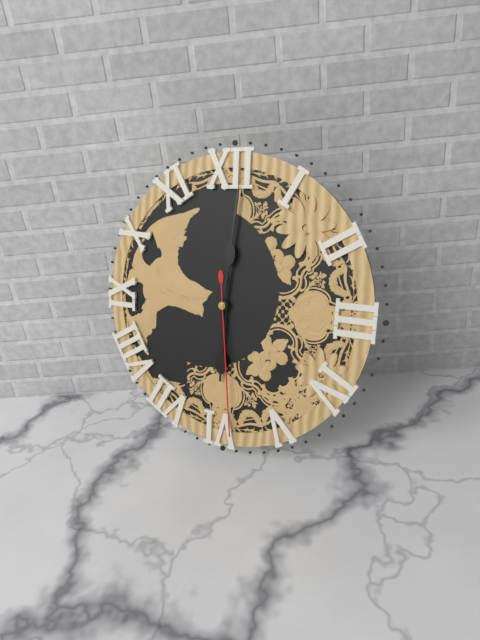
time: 6:01:29
